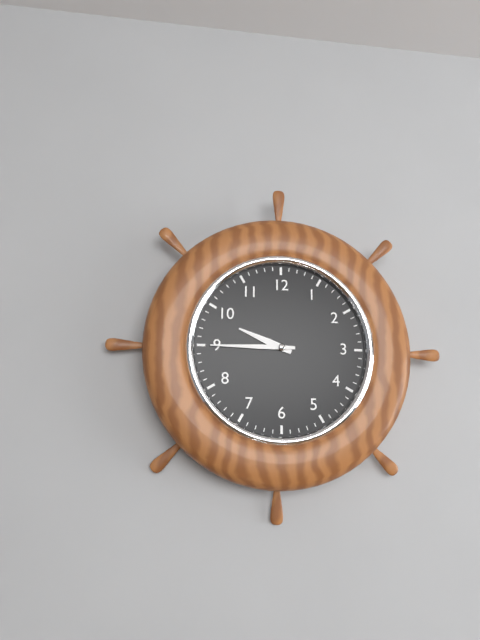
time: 9:45
